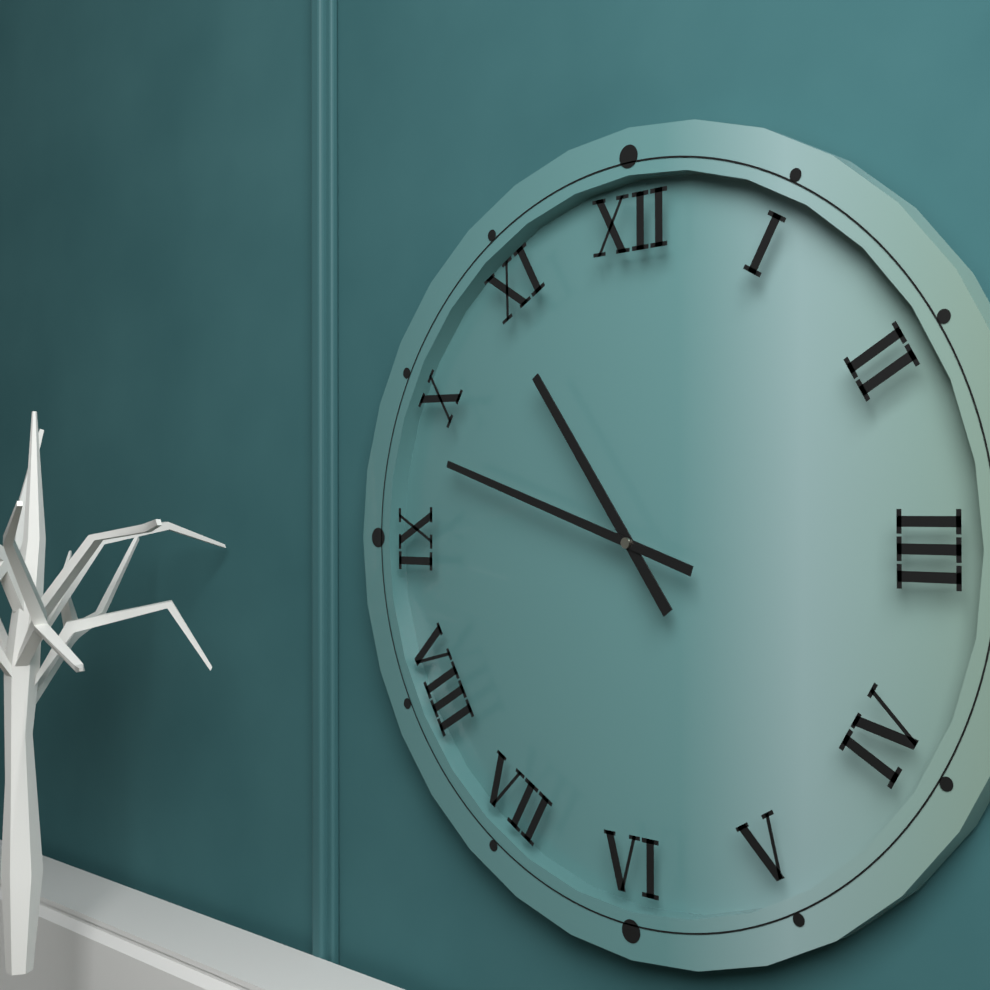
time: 10:48
